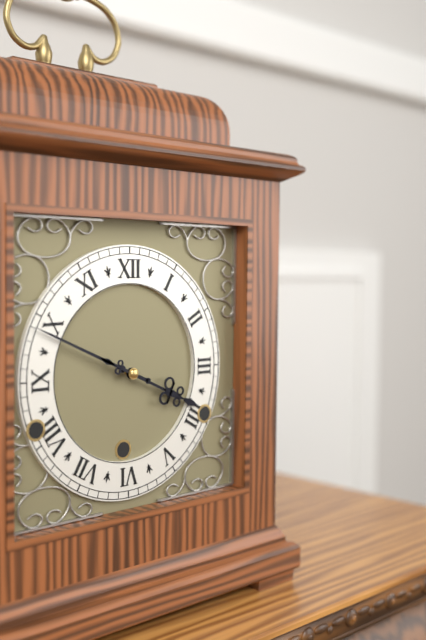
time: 3:49
